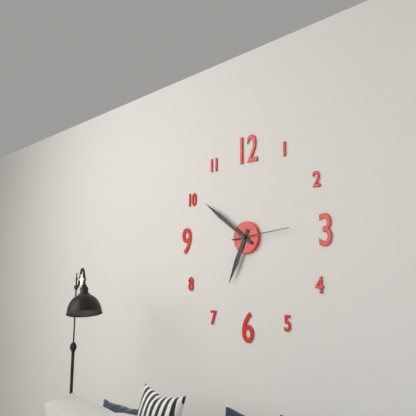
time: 6:51:14
